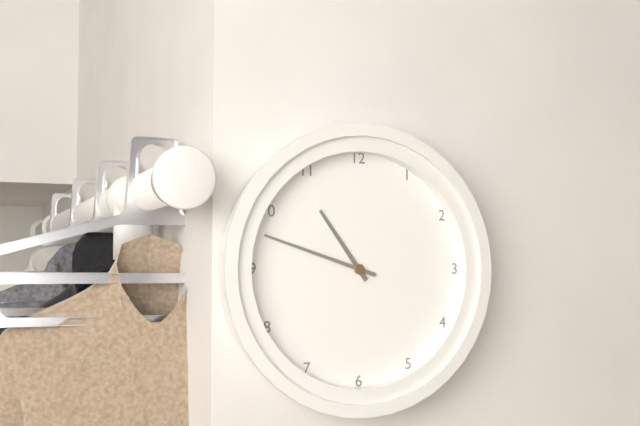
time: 10:48
